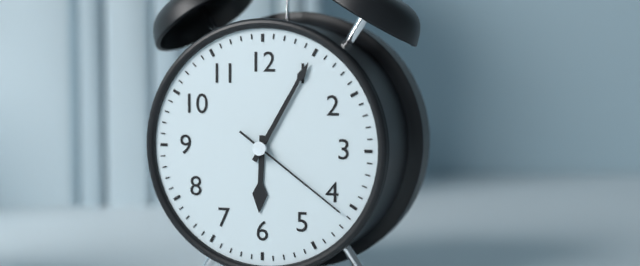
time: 6:05:21
